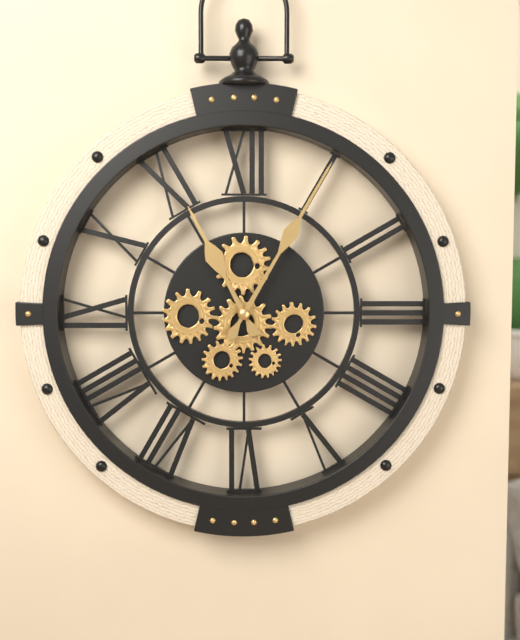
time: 11:05
